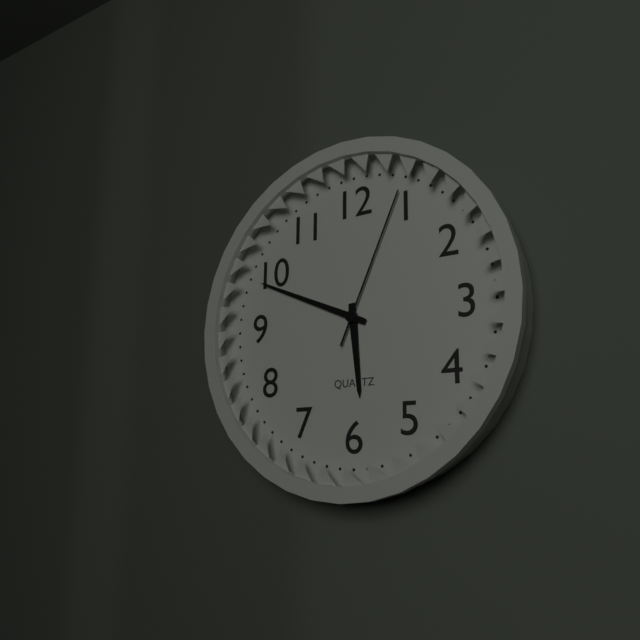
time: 5:49:04
